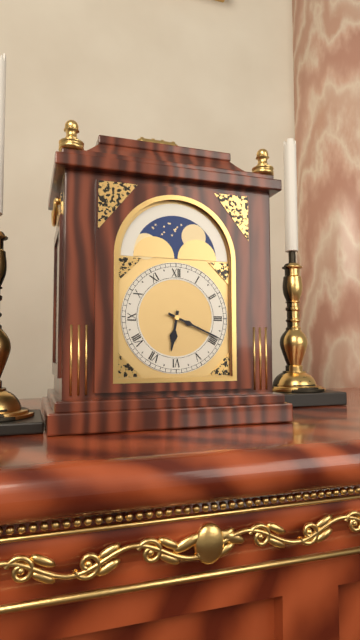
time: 6:19
